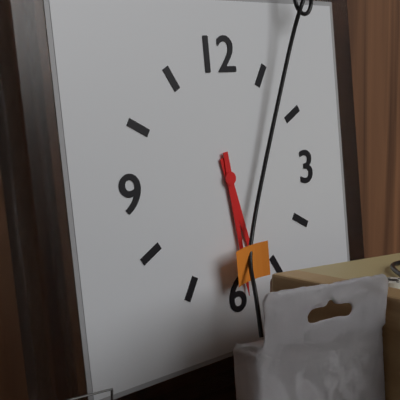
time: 5:29
